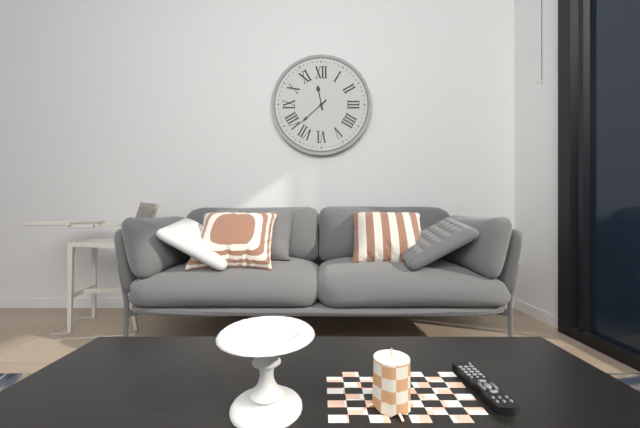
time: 11:38
